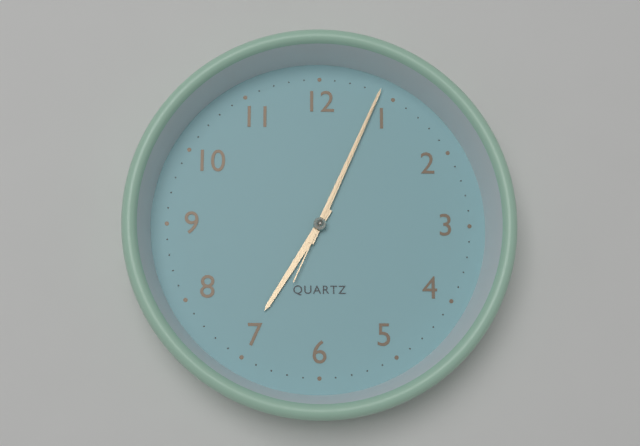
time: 7:04:04
